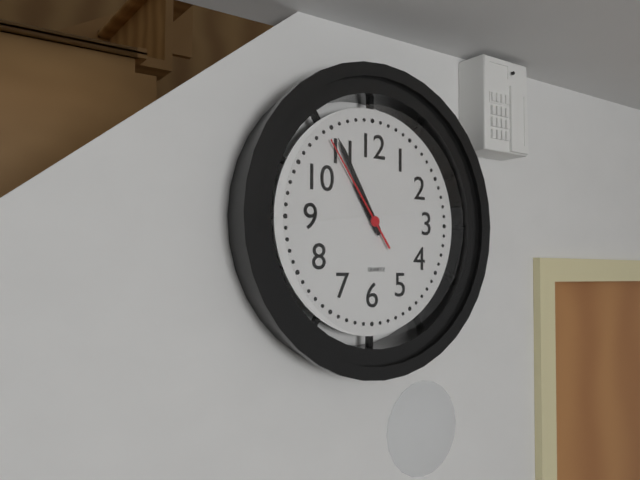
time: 10:55:54
